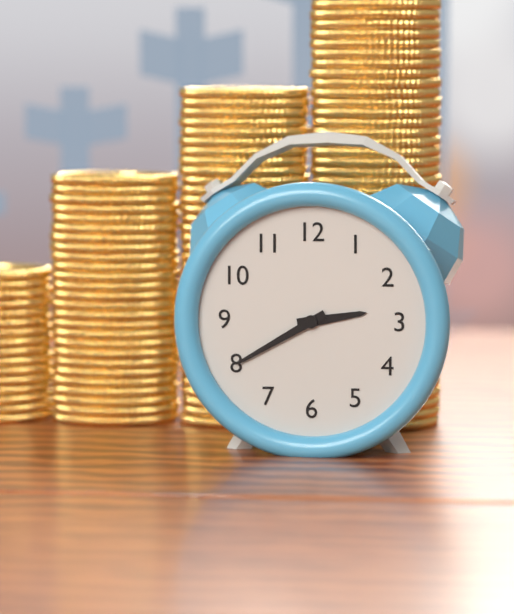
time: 2:40
